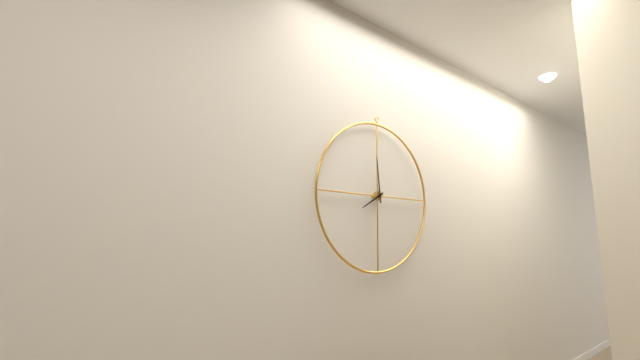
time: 7:59
